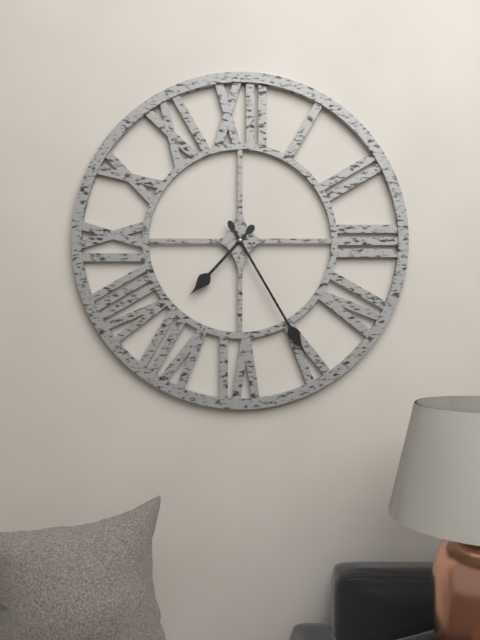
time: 7:25
